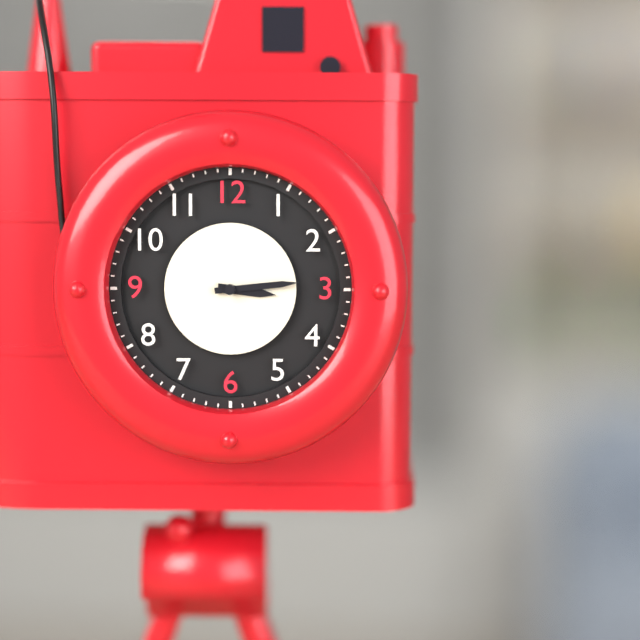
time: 3:14
